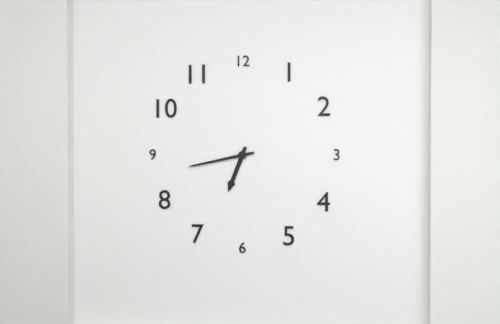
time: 6:43
